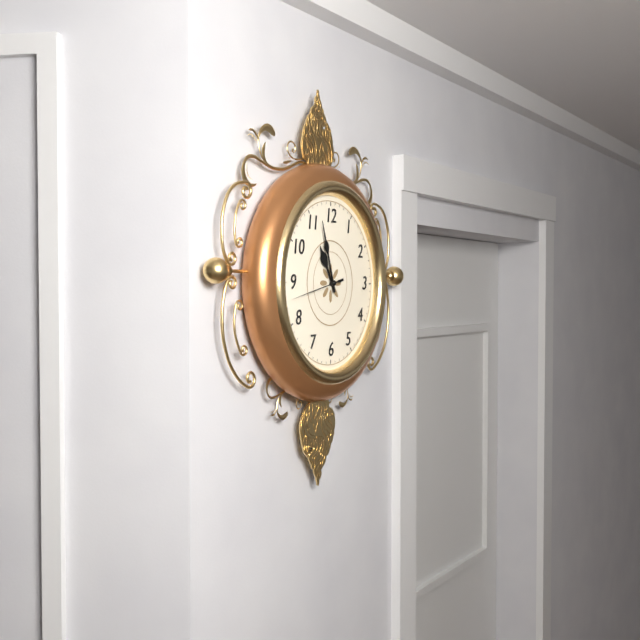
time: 10:57:43
